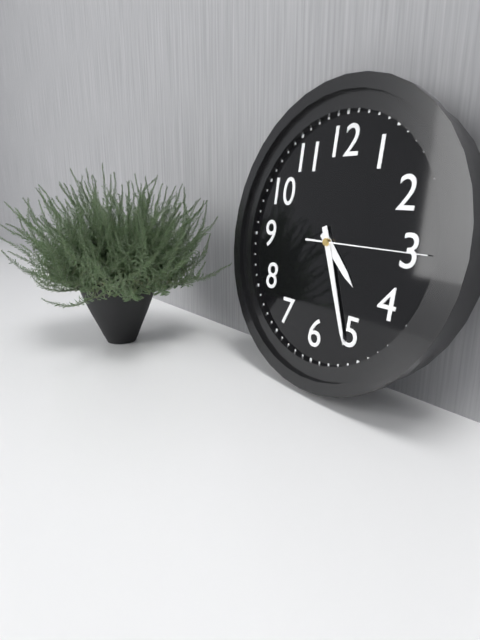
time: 4:26:15
